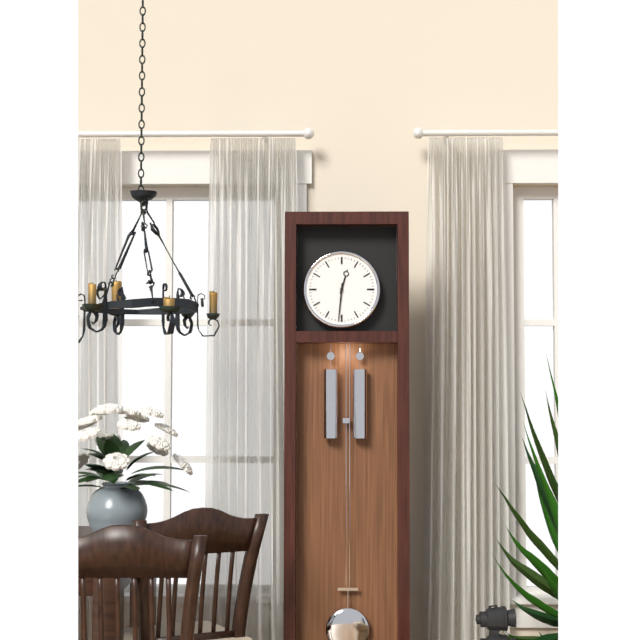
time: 12:31
